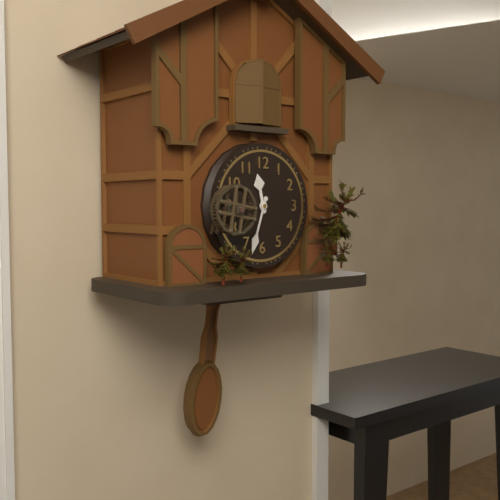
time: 11:33
